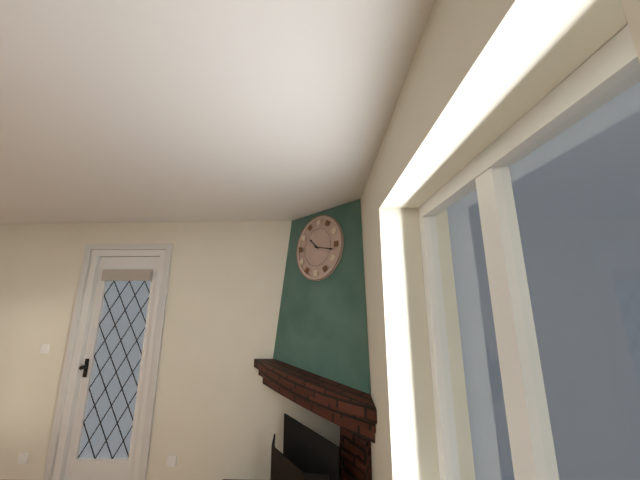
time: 10:17
